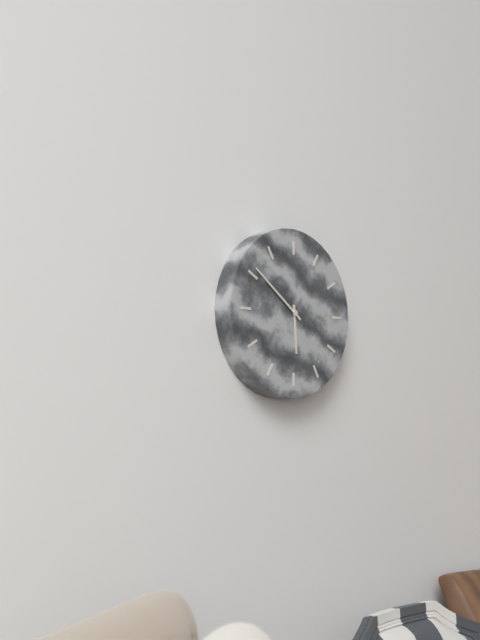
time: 5:51
